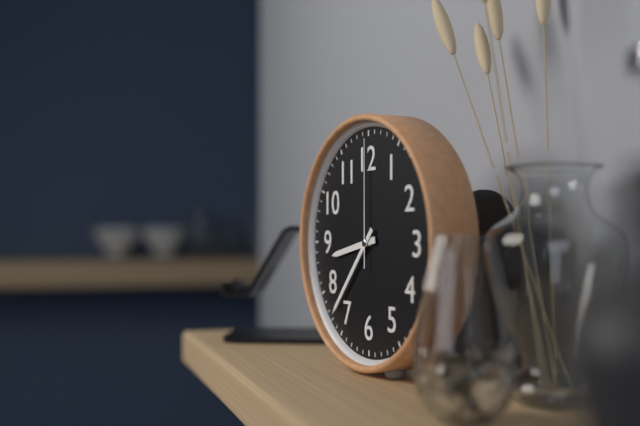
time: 8:37:00
